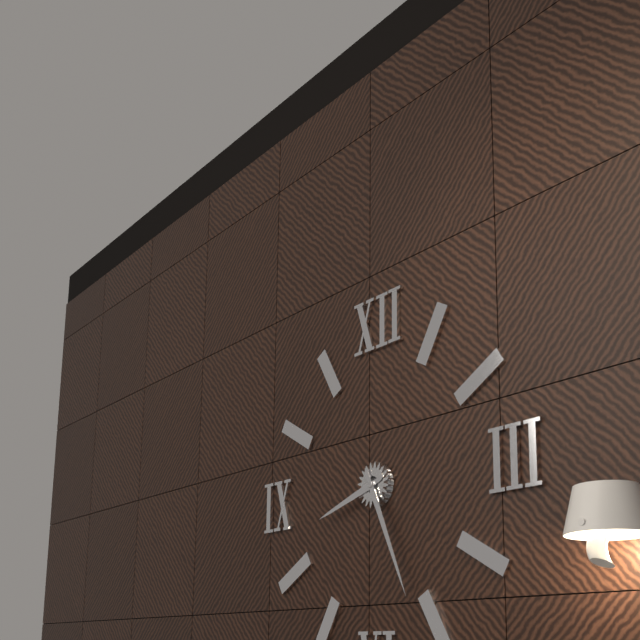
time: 8:26
